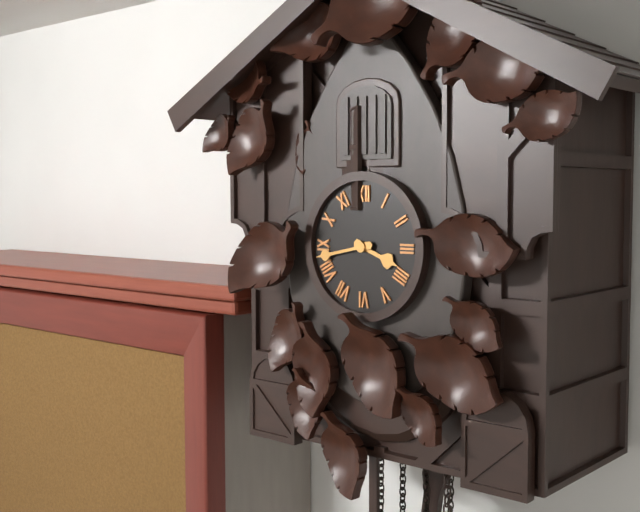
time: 3:43
